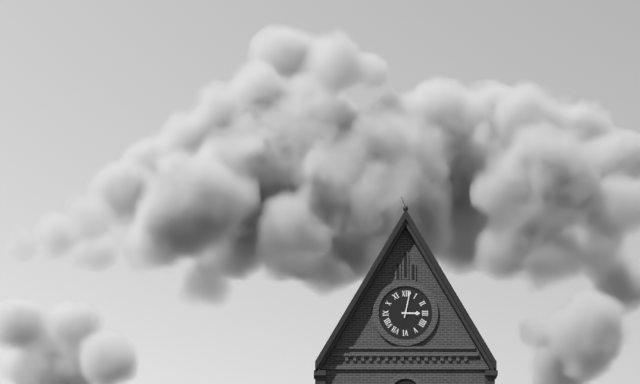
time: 3:02
